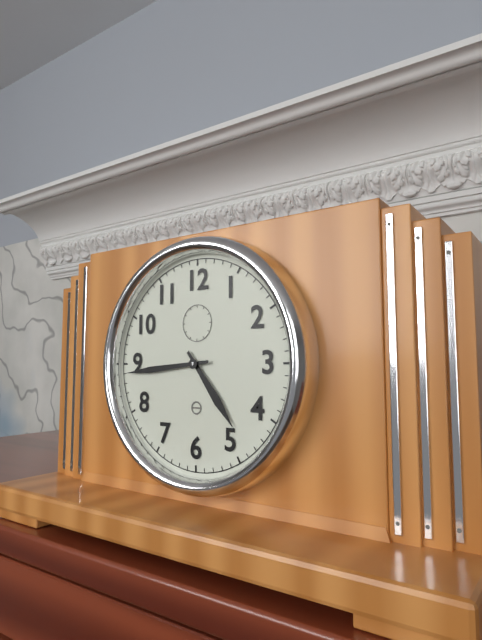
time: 4:44
